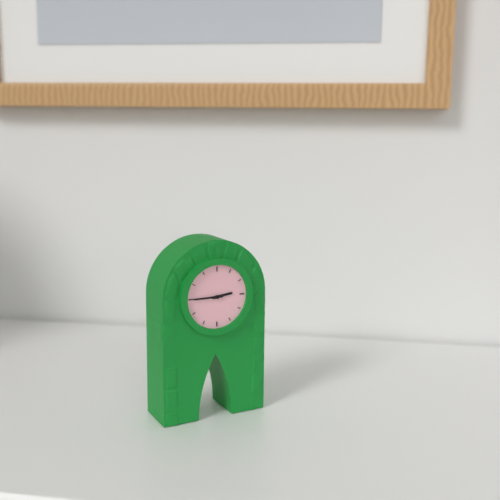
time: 2:45
